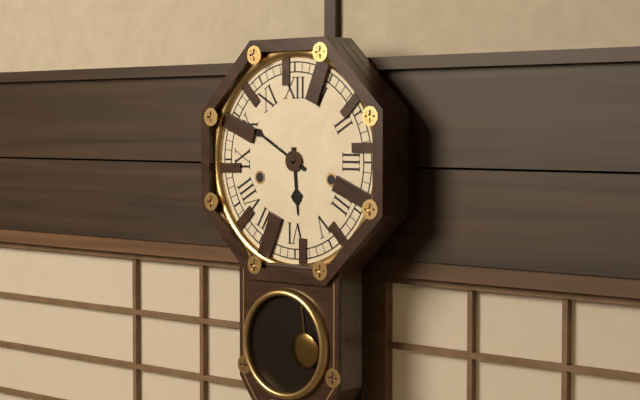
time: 5:50
